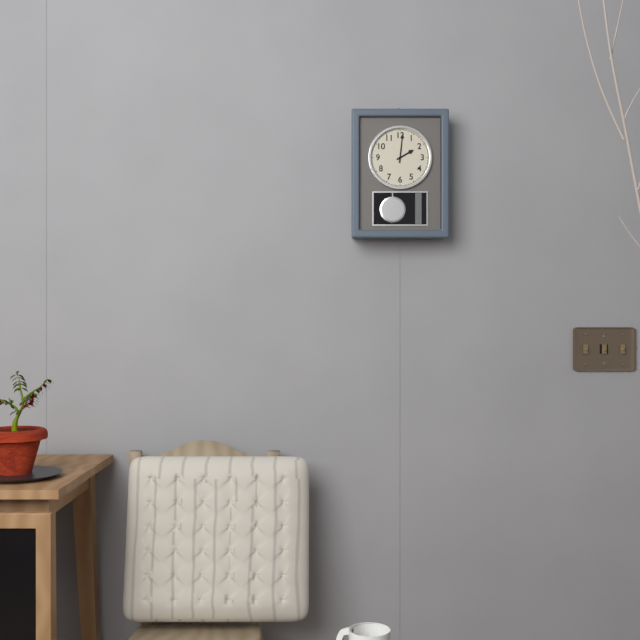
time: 2:01
